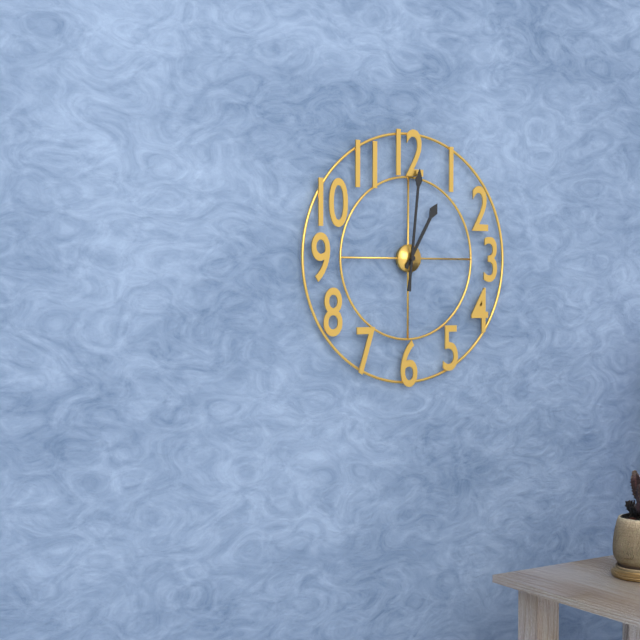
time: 1:01
